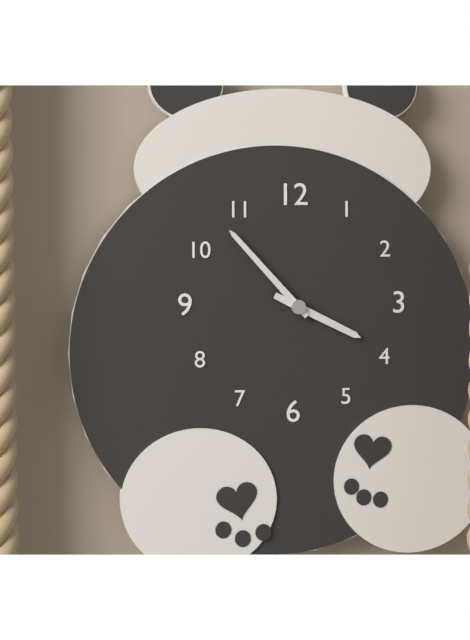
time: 3:53
